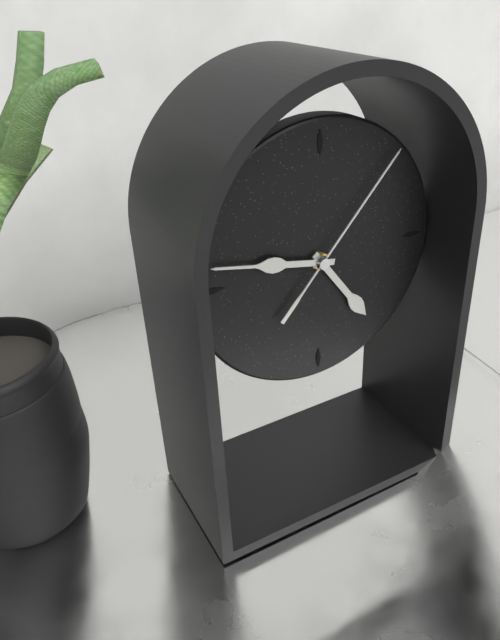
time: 4:47:07
